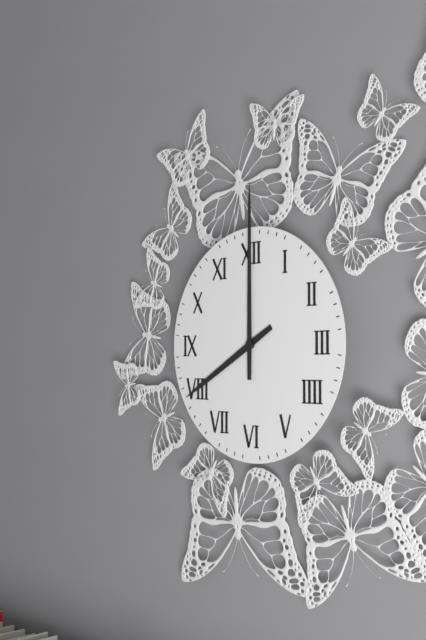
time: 8:00
